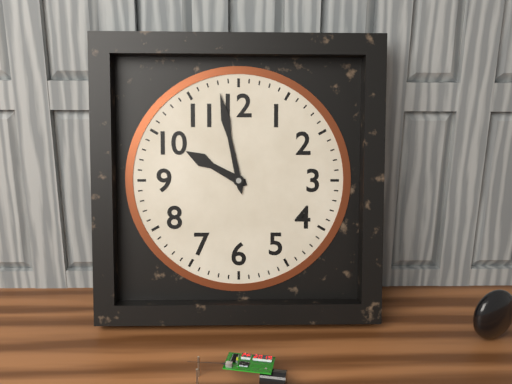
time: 9:58
